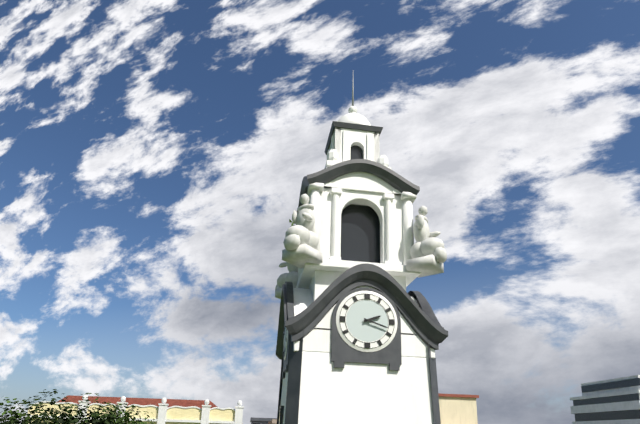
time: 2:18
